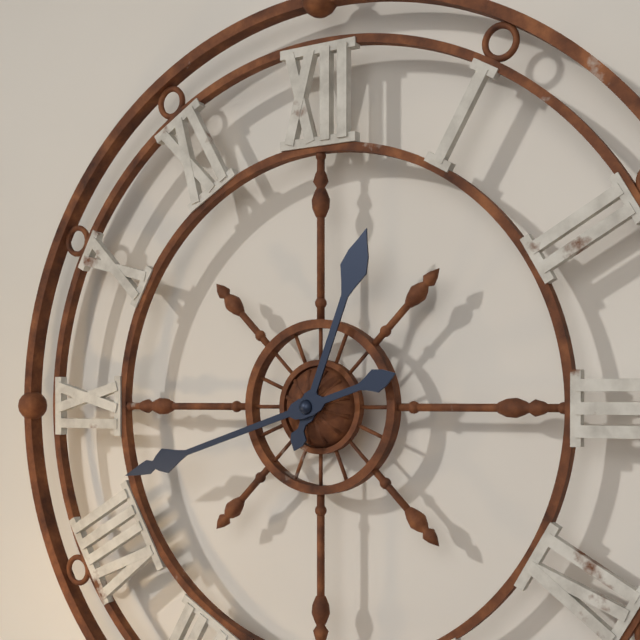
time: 12:42
